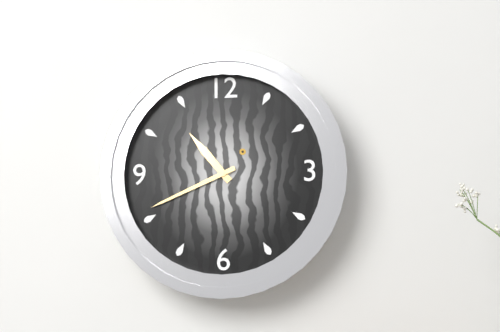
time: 10:41
